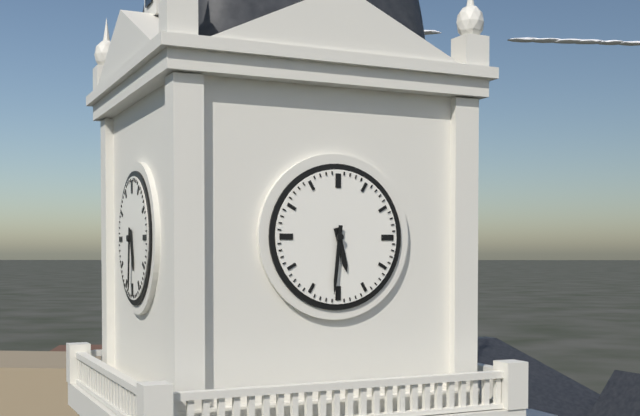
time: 5:31
